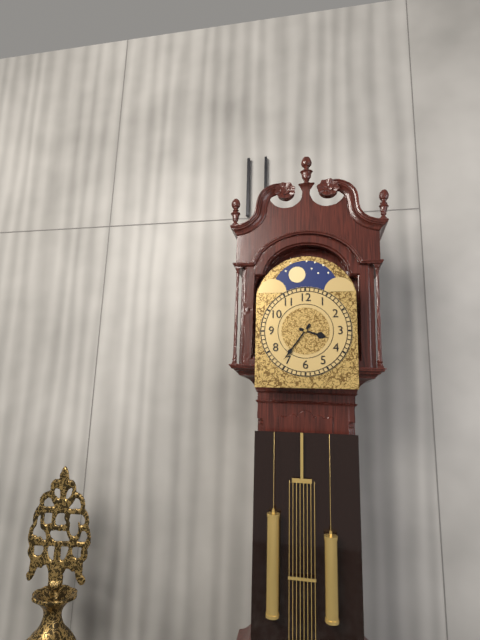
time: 3:36
